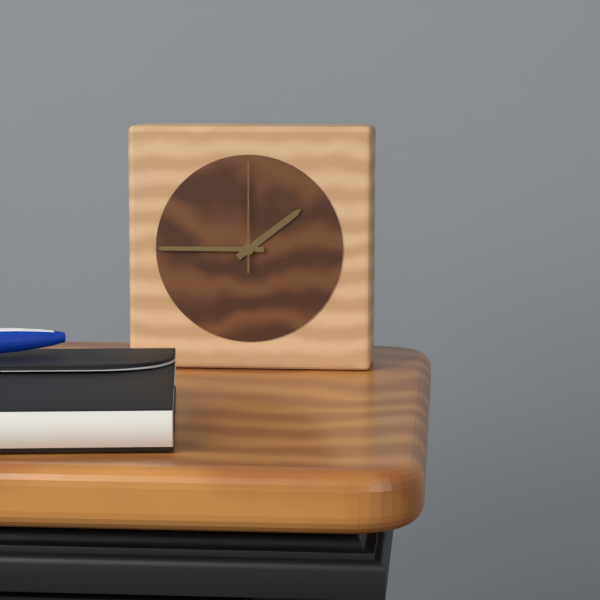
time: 1:45:00
